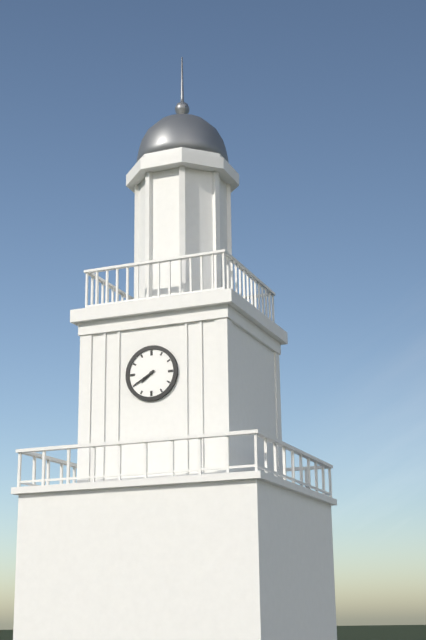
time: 7:40
